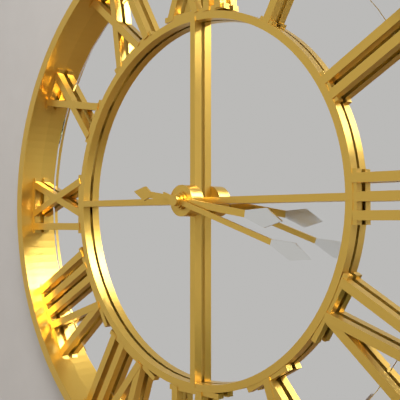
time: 3:18
